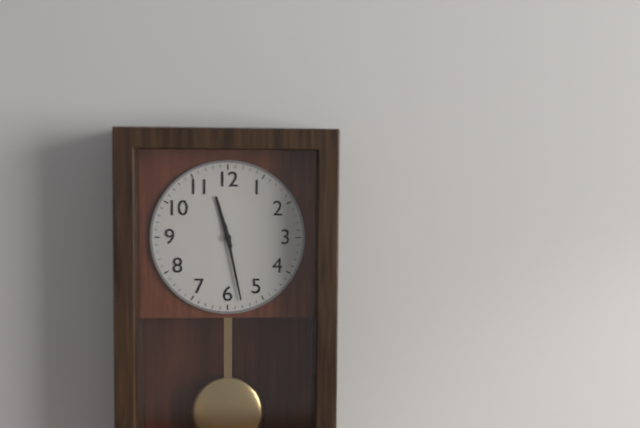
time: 11:28
